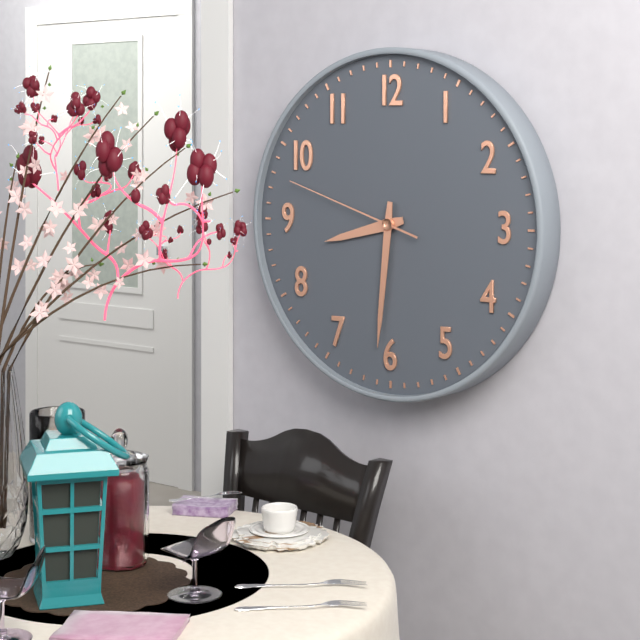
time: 8:31:48
